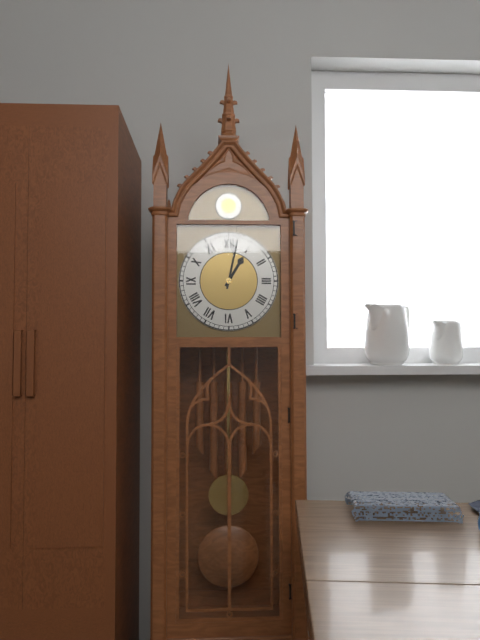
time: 1:02
